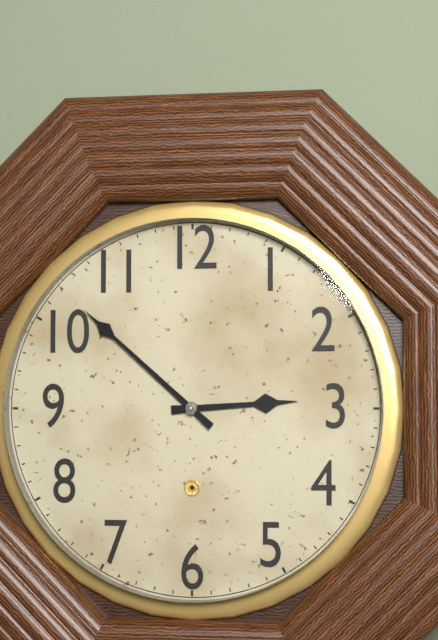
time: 2:52
